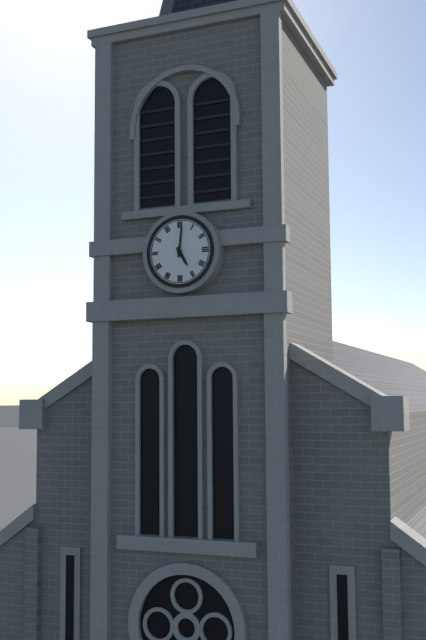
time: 5:01
